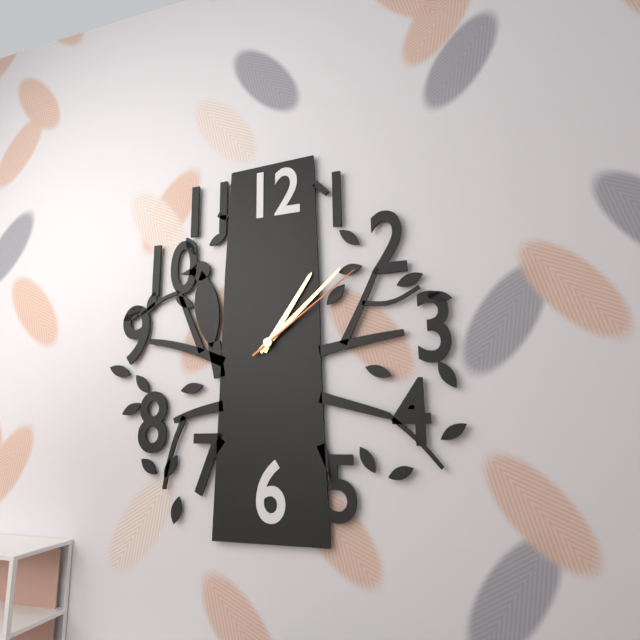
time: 1:08:09
